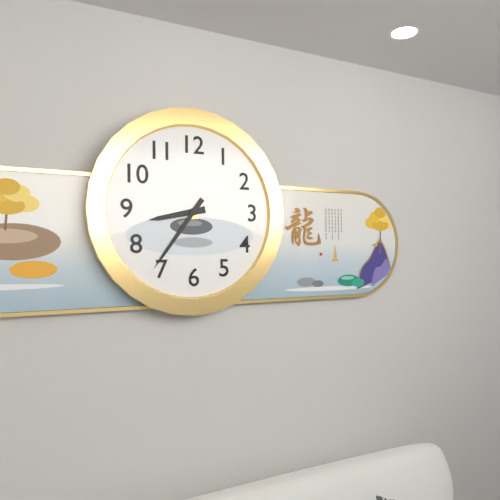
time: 8:36
